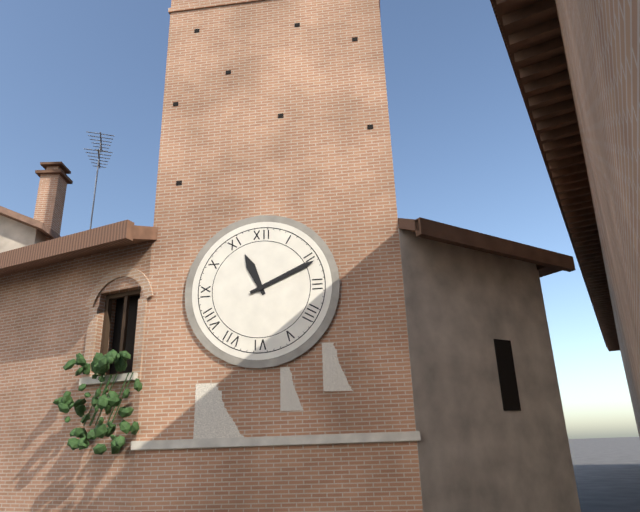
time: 11:11
